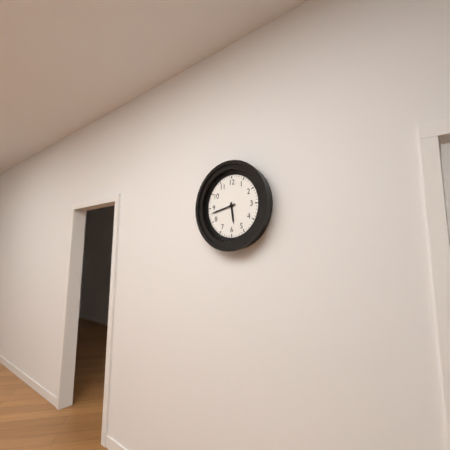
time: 5:43
